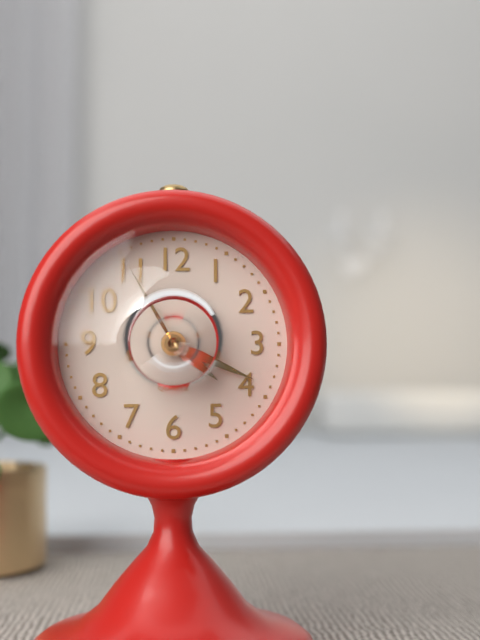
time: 4:19:55
